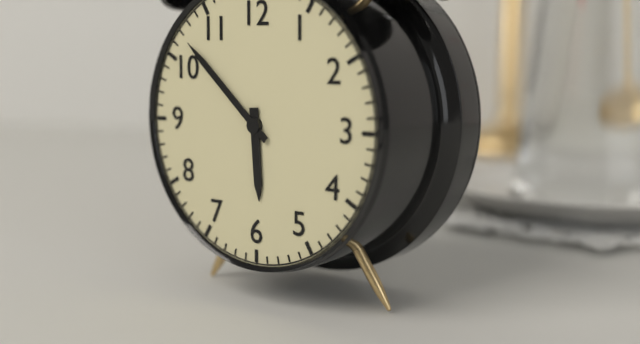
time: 5:52
